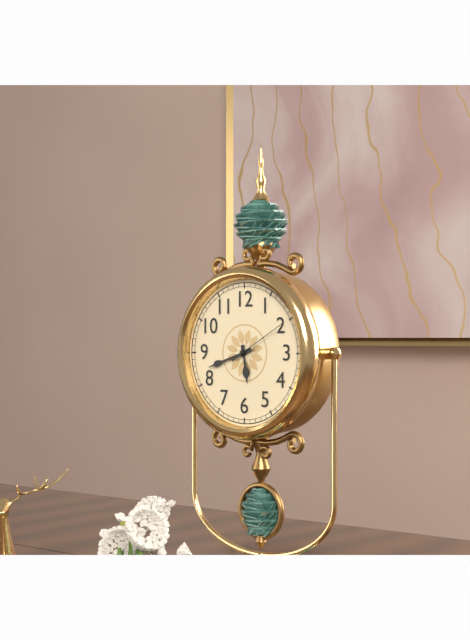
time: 5:42:10
